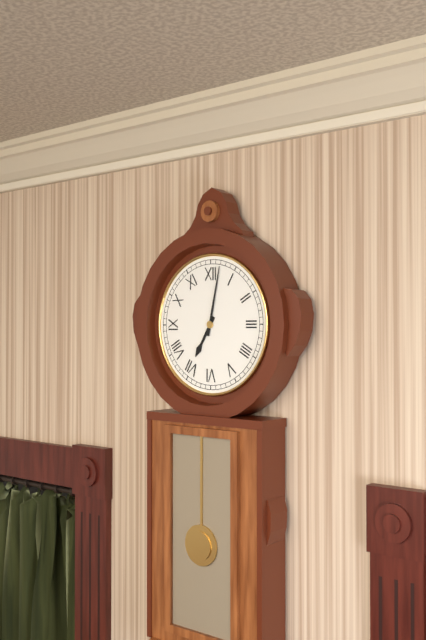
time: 7:02
